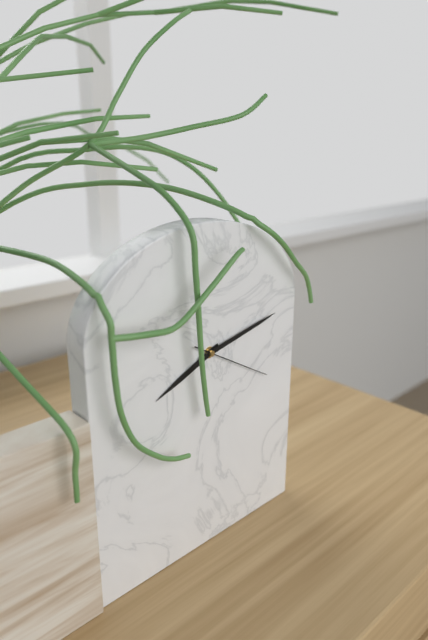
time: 8:13:20
